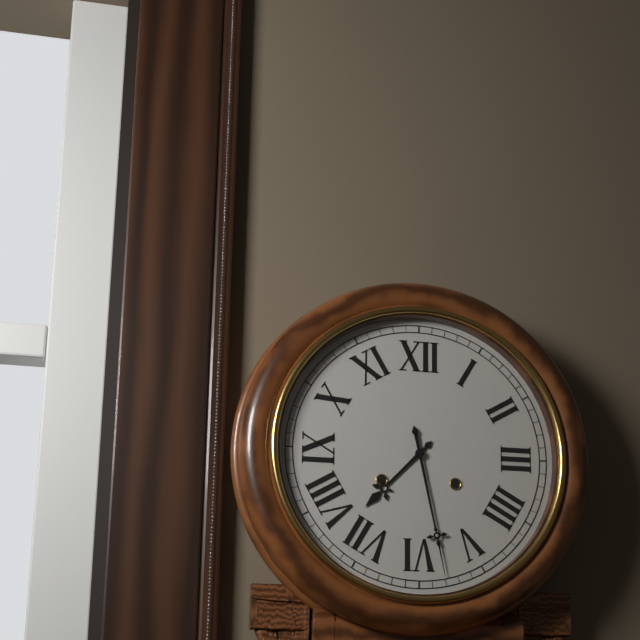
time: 7:28
